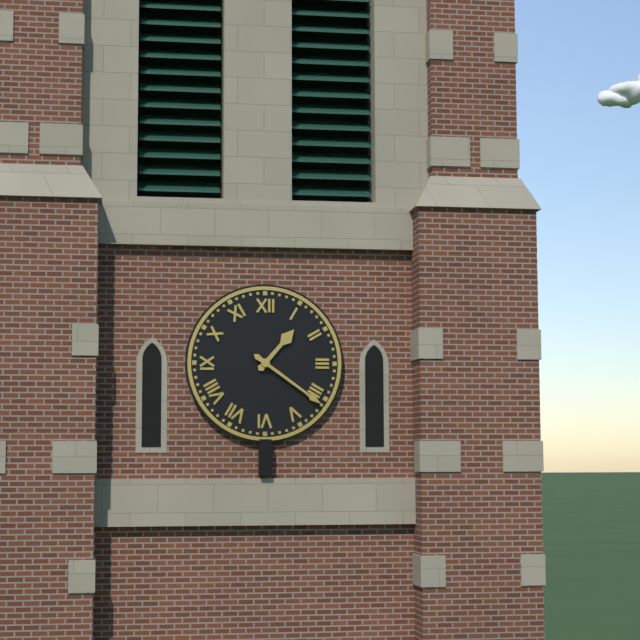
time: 1:21
